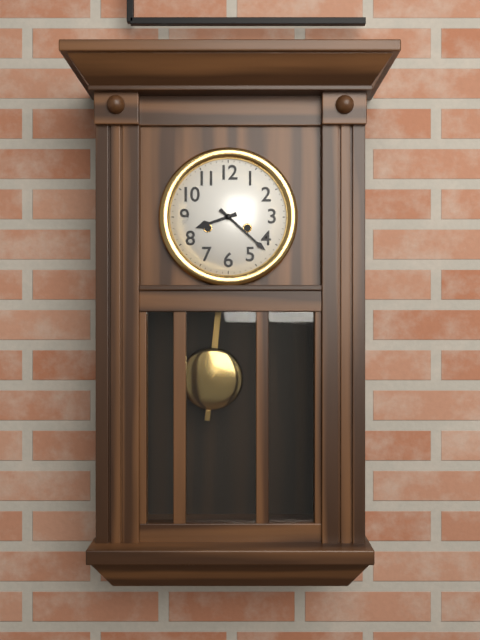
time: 8:22
